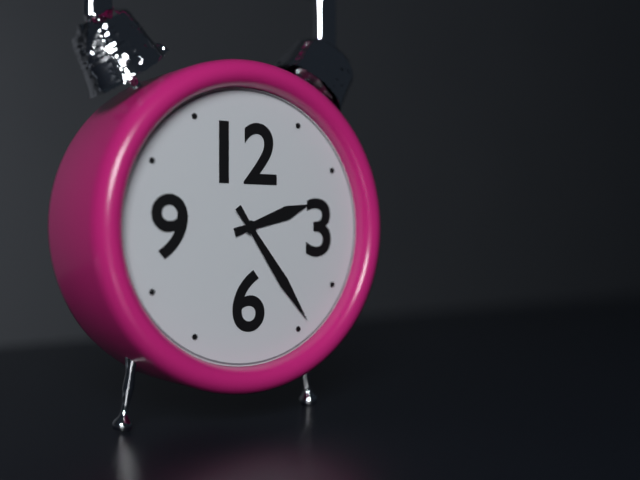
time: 2:24
